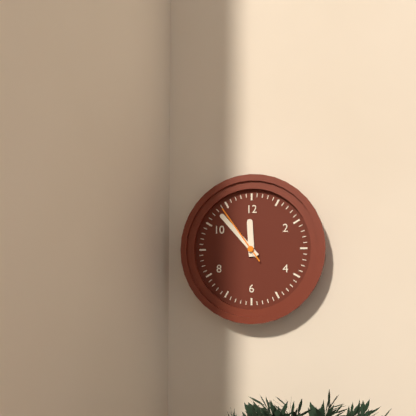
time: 11:53:54
